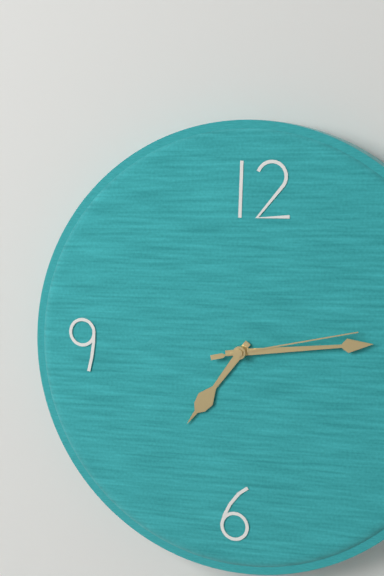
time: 7:14:13
